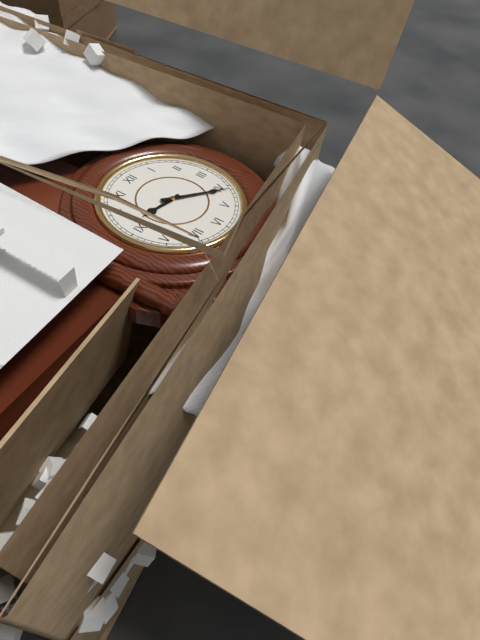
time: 9:21
